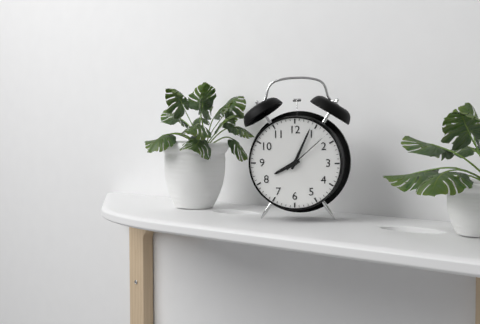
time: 8:04:08
